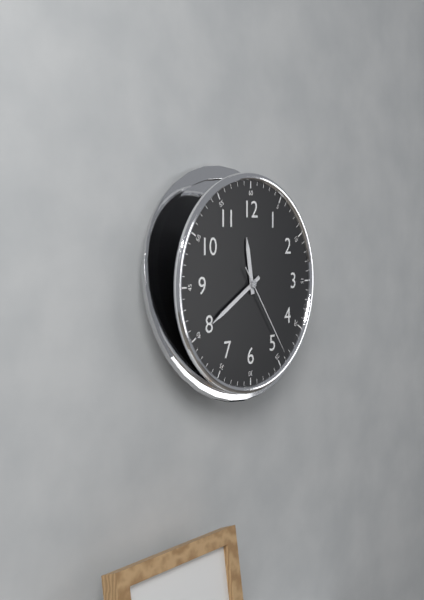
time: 11:40:24
